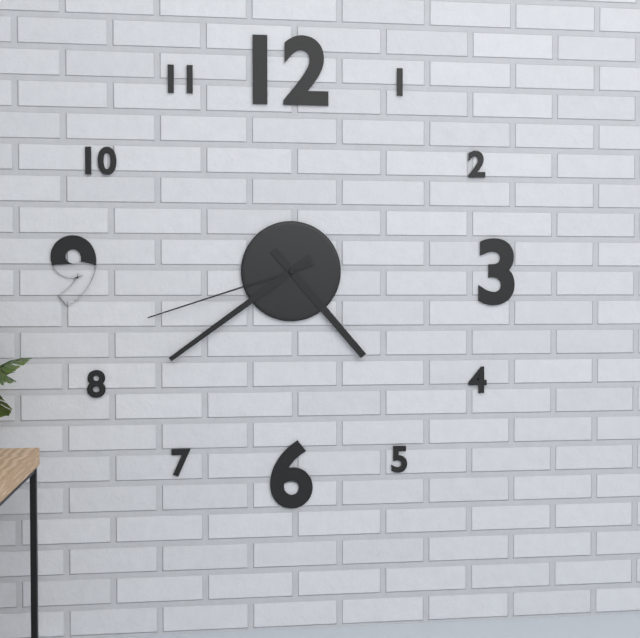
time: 4:39:42
